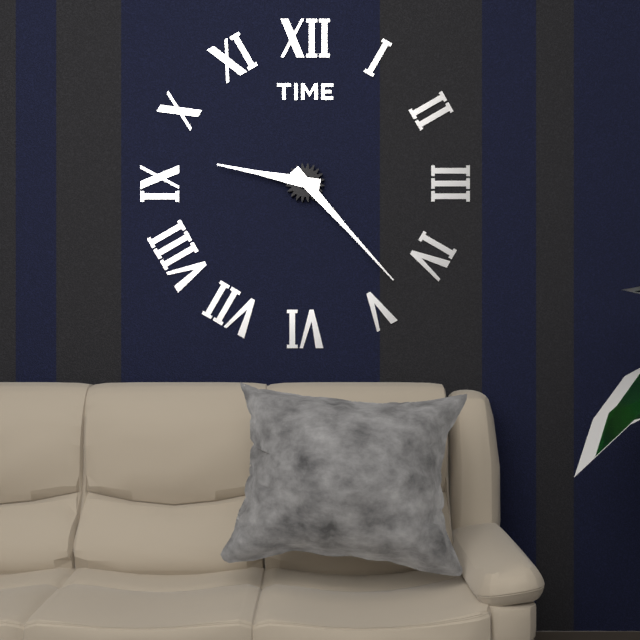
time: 9:23
